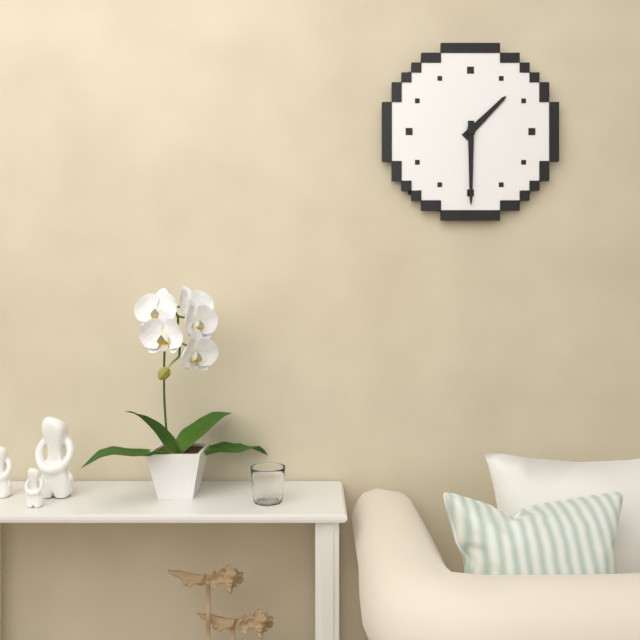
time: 1:30
